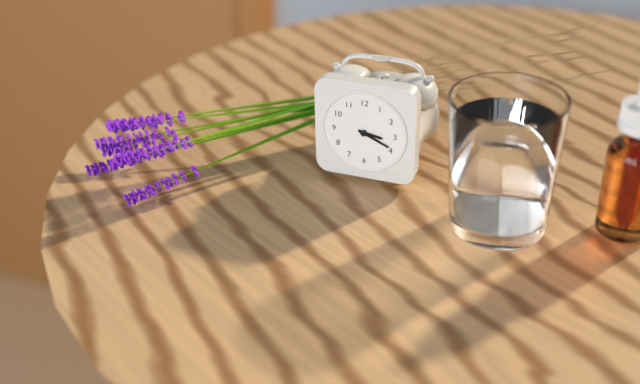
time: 3:19
